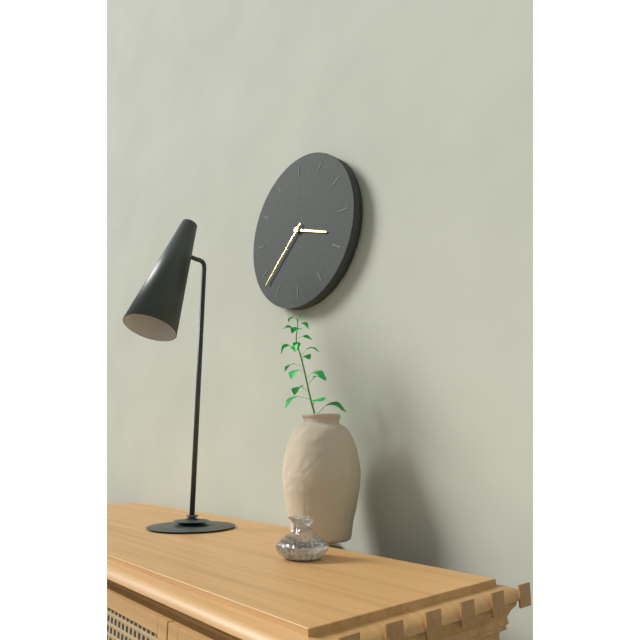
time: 3:38
